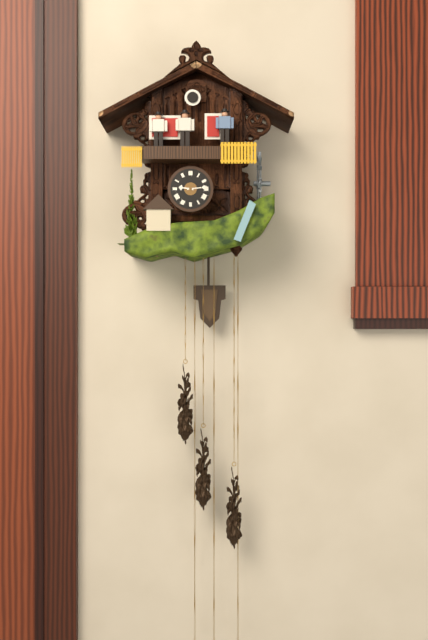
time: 9:14
